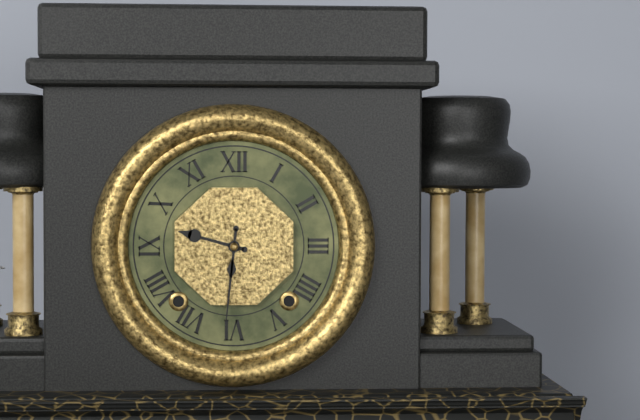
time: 9:31
